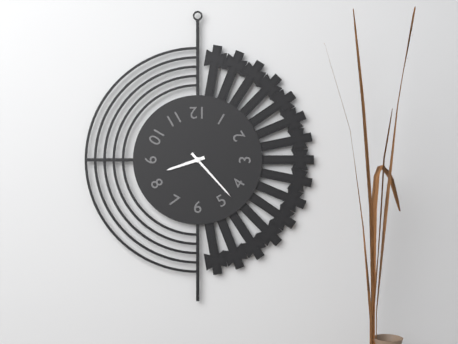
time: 8:23
